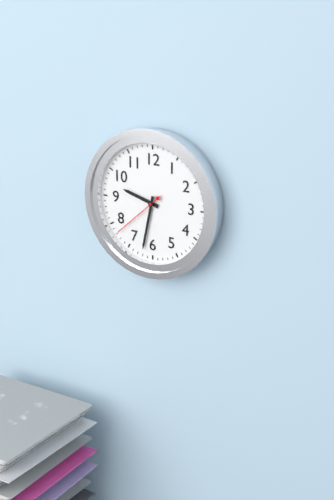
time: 9:32:38
